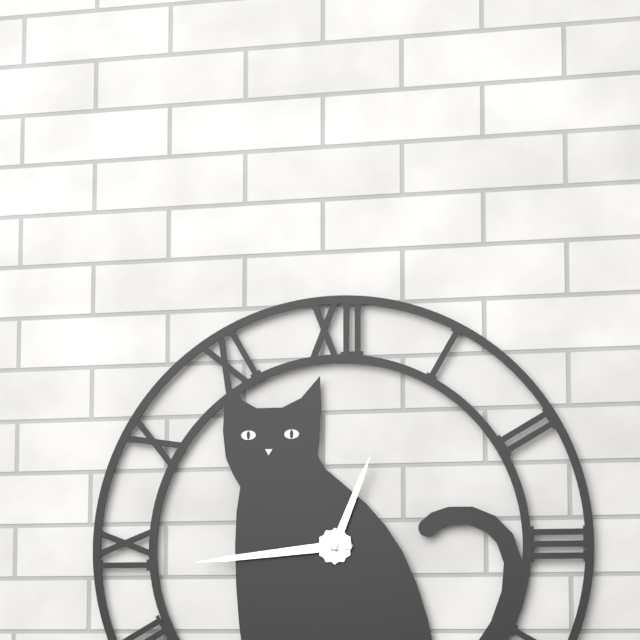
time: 12:44
